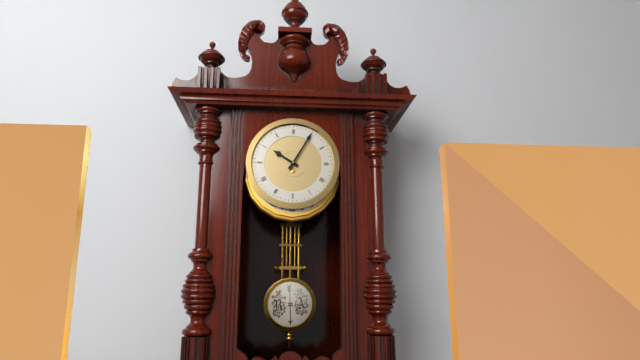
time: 10:05
